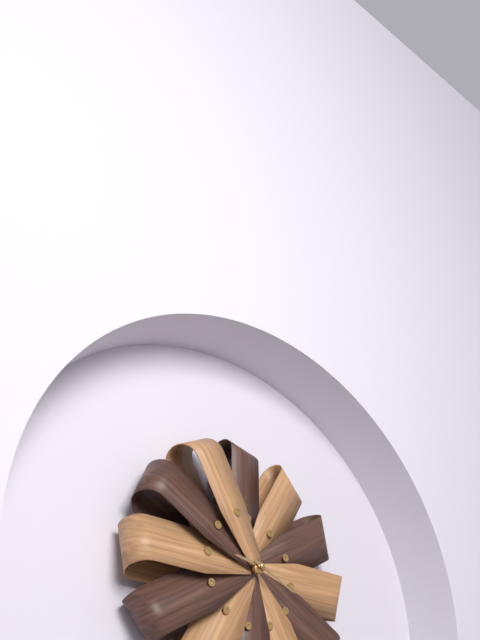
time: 9:19
